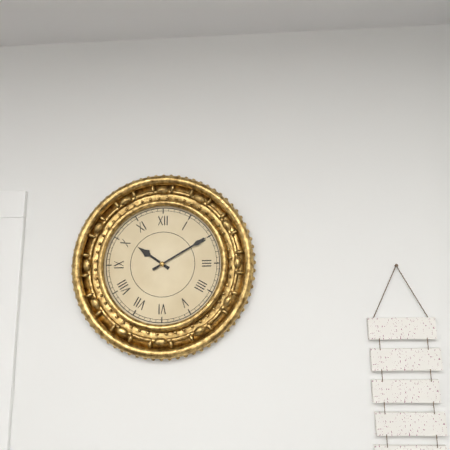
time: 10:10
